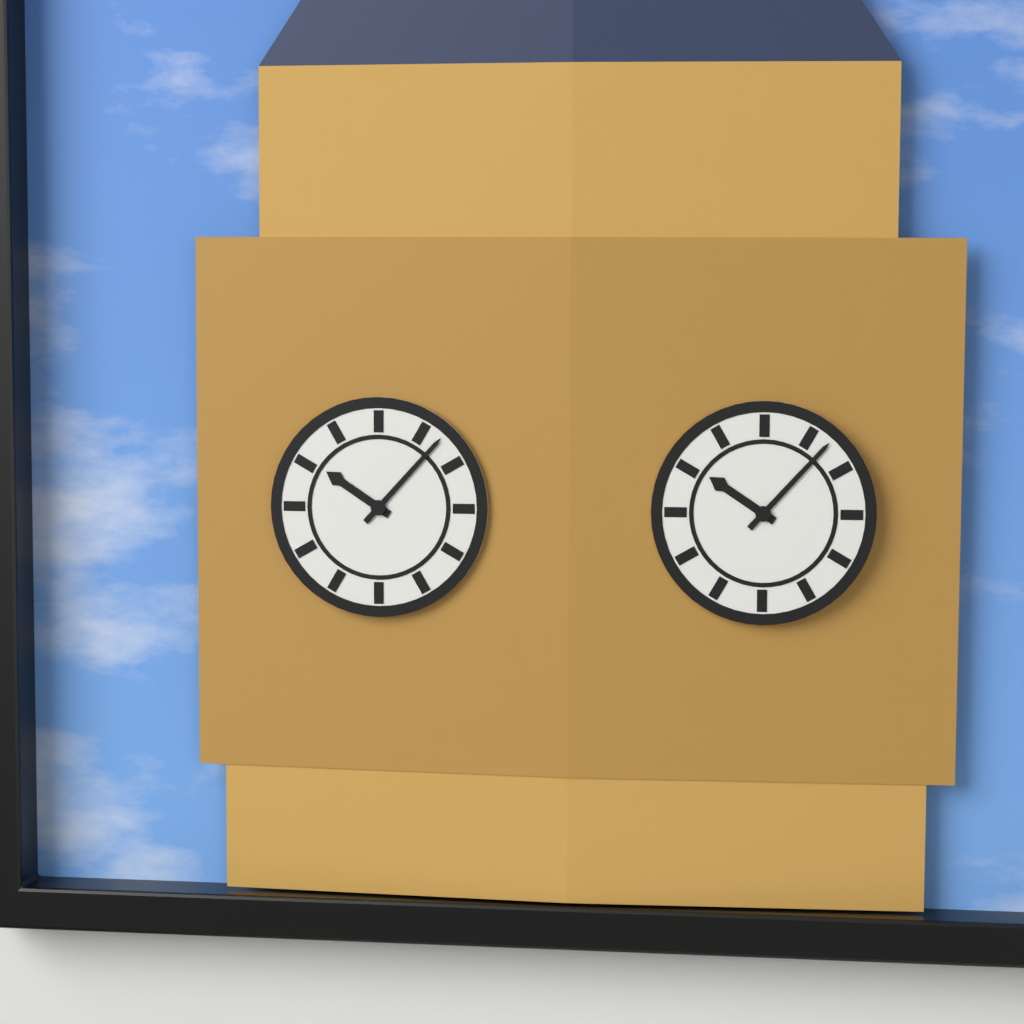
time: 10:07
